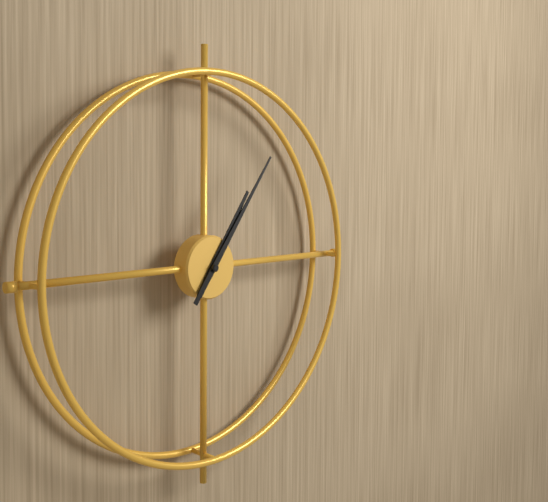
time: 1:06
